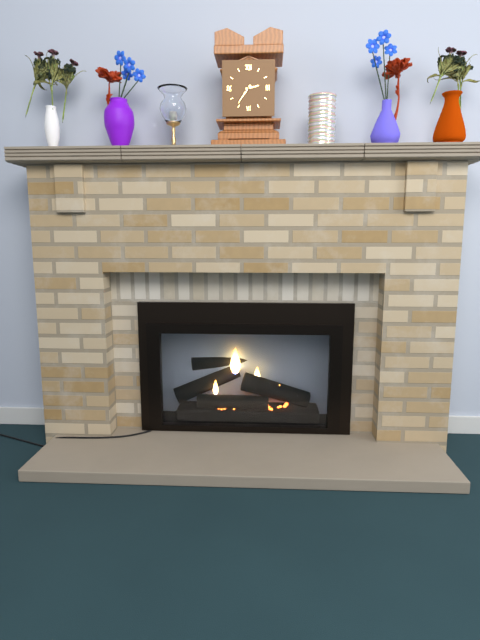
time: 2:36
